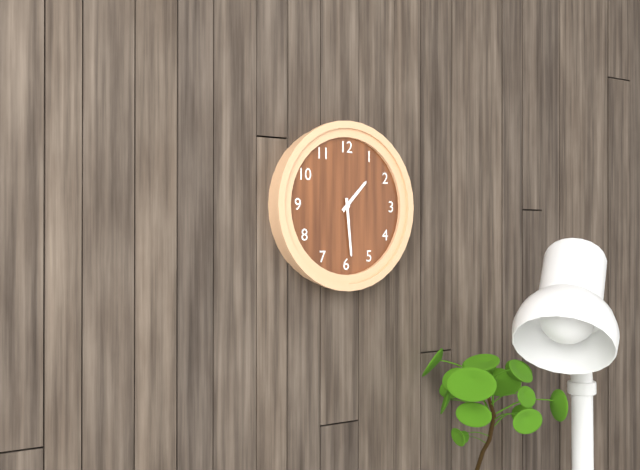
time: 1:29
